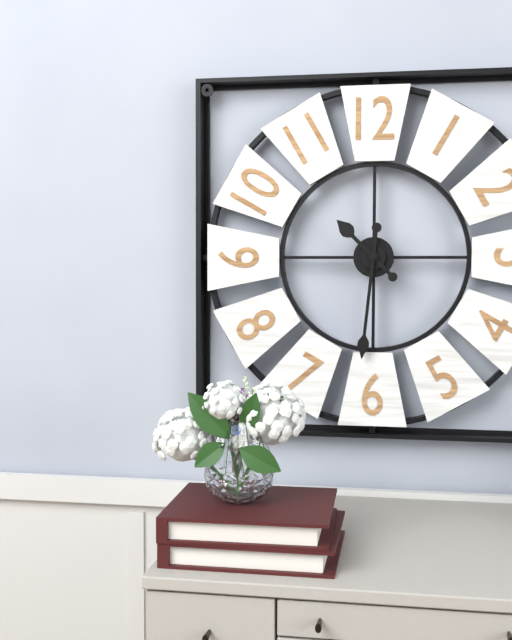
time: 10:31
